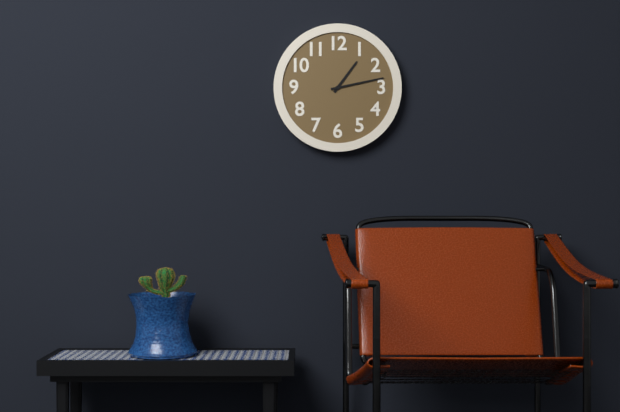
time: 1:13
